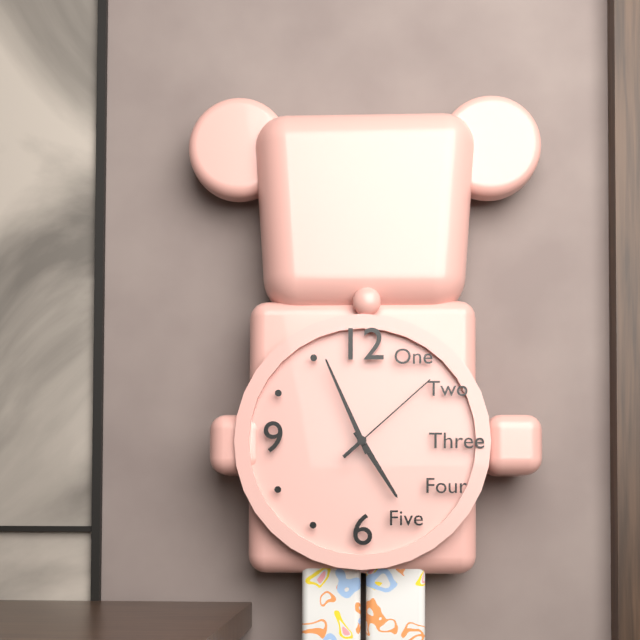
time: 4:56:08
